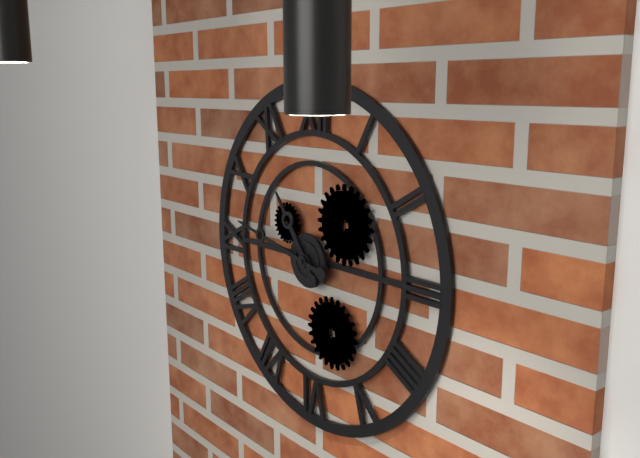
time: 10:47
